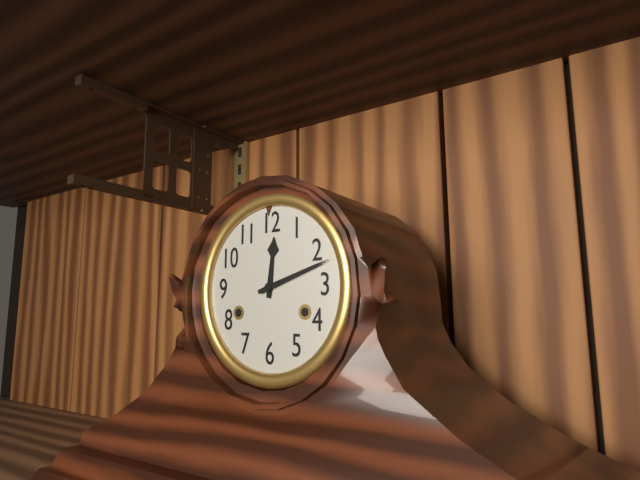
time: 12:12
